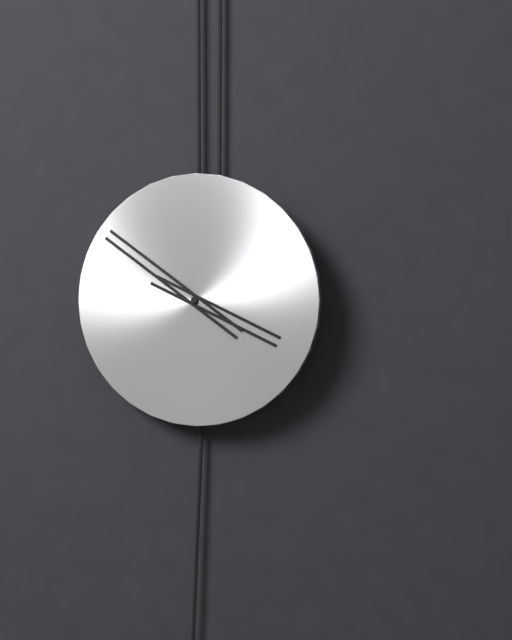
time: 3:51
